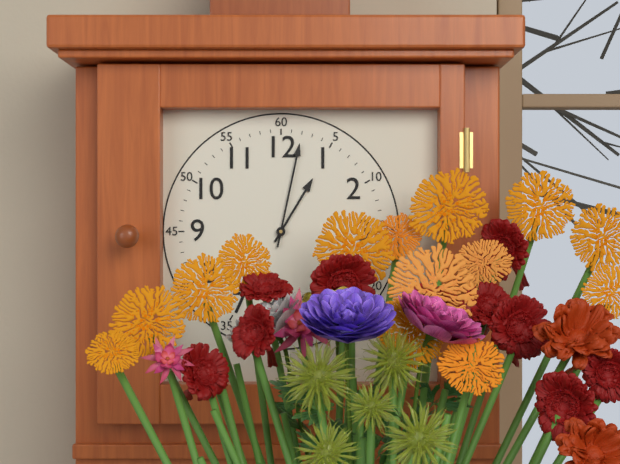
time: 1:02
